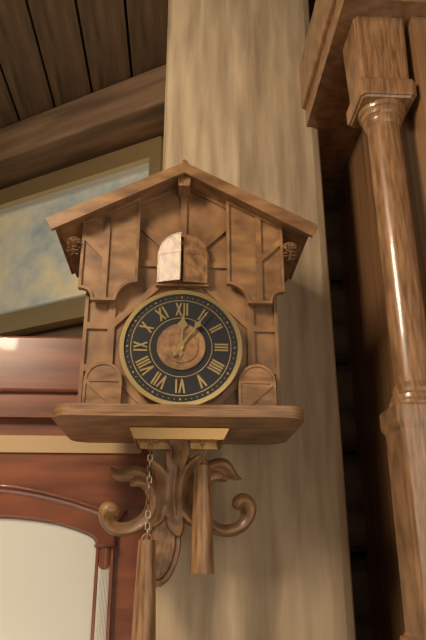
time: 12:06
